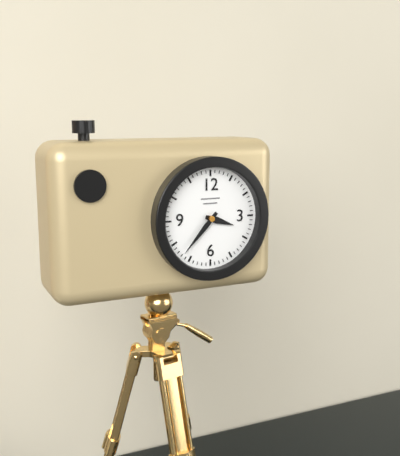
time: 3:37
